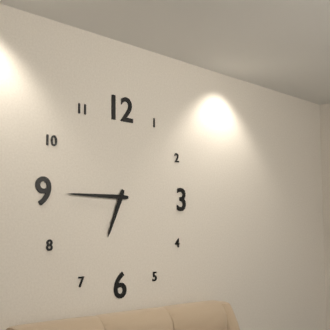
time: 6:45
